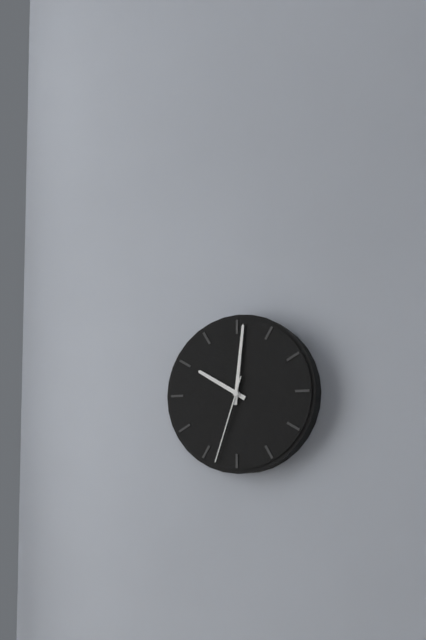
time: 10:01:33
